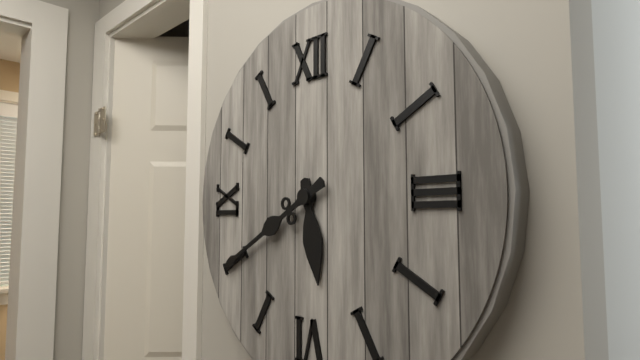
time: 5:40
